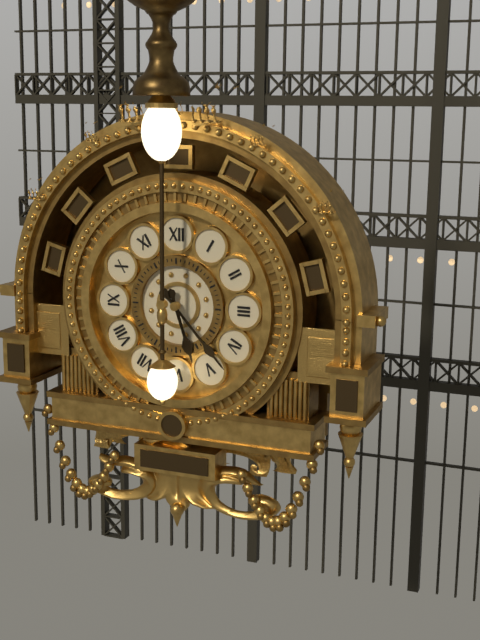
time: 5:23
